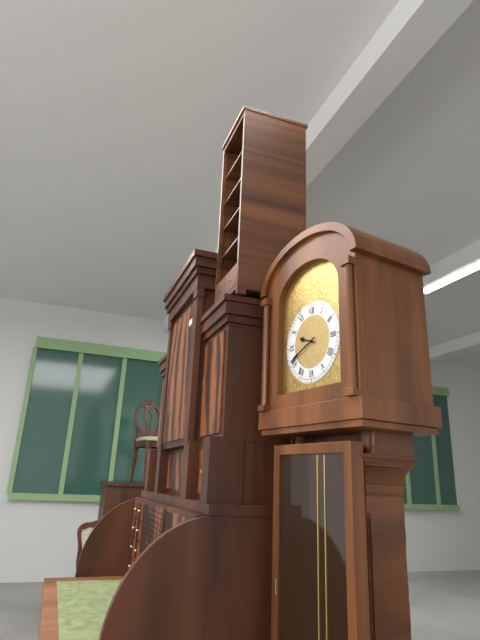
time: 9:41
